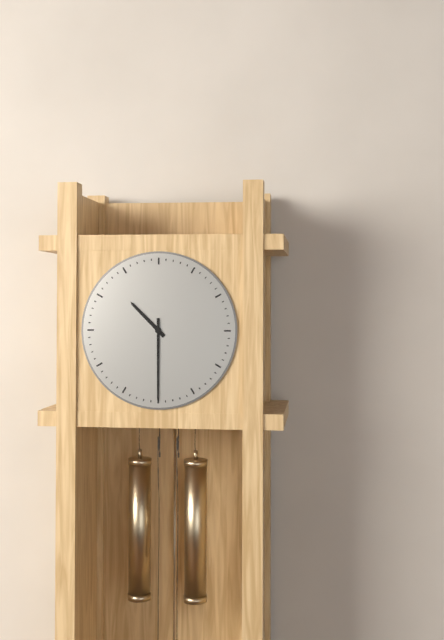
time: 10:30
